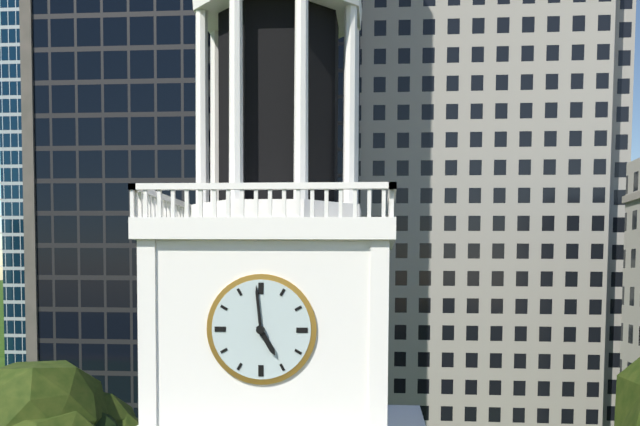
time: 4:59
